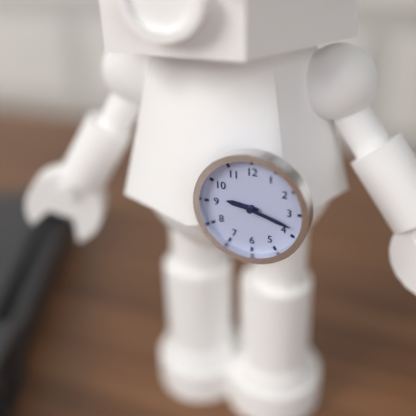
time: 9:18
